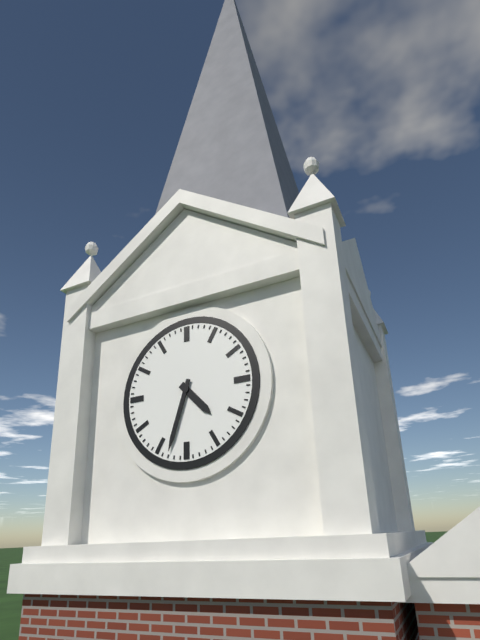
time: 4:33
